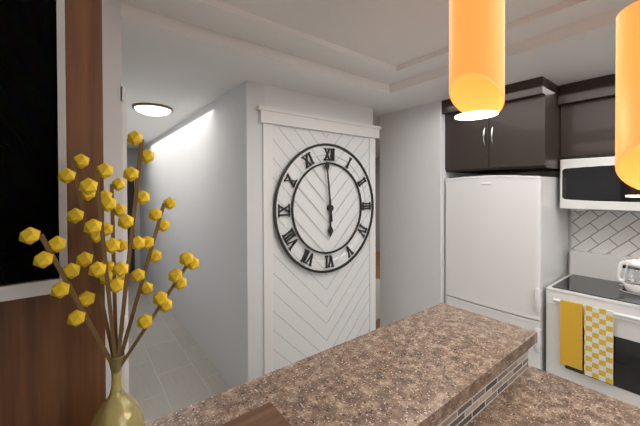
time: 5:59
